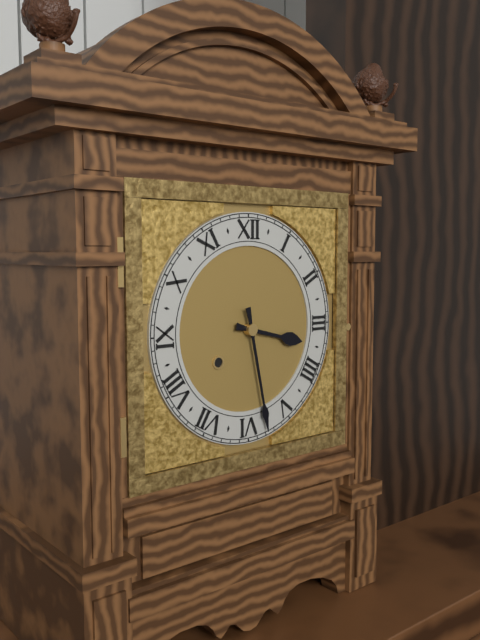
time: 3:28
